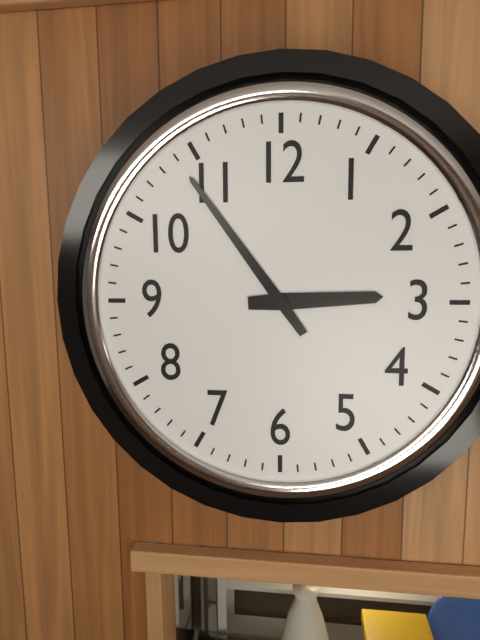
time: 2:54
